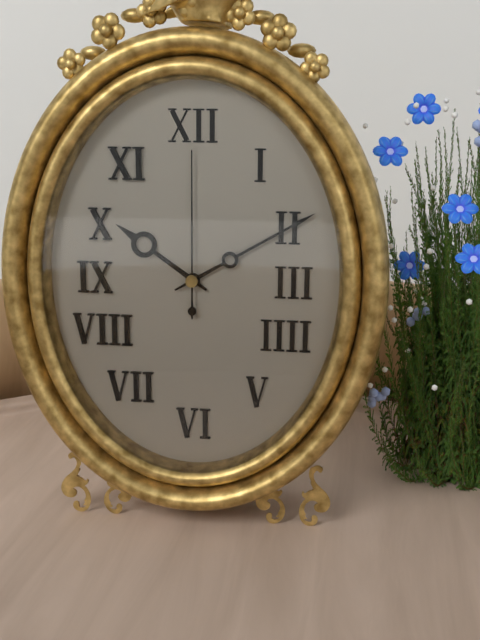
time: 10:10:00
